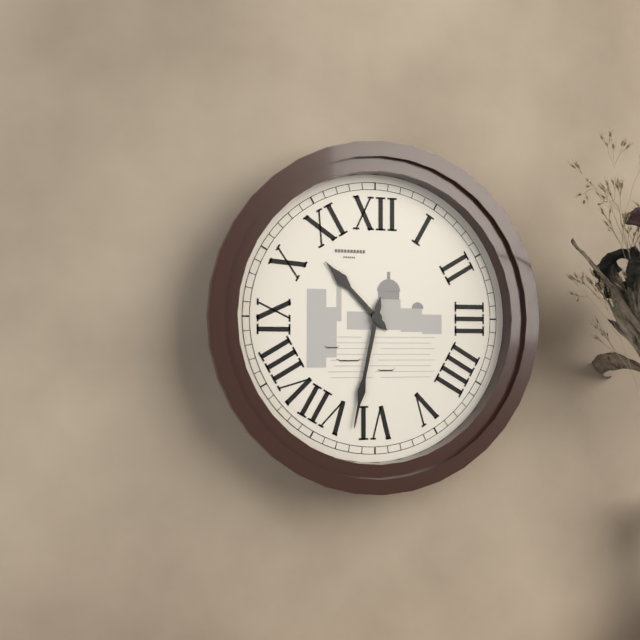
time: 10:32
